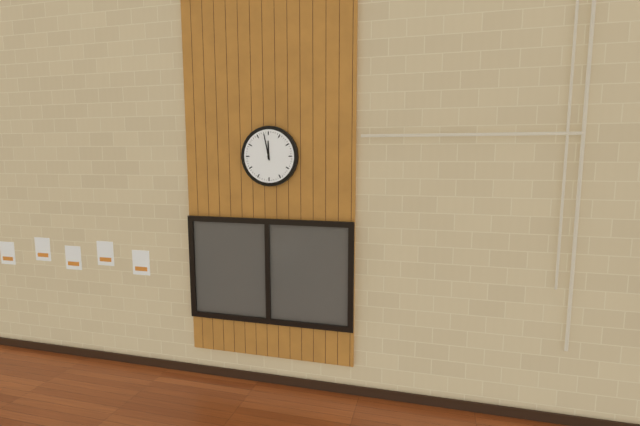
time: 11:58
